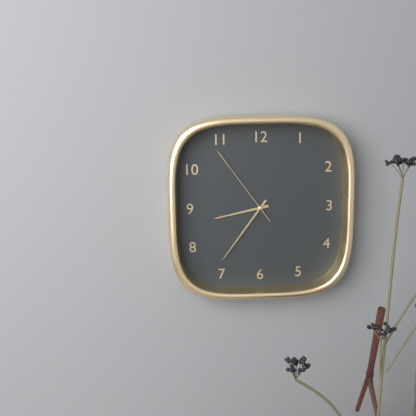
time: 8:36:54
